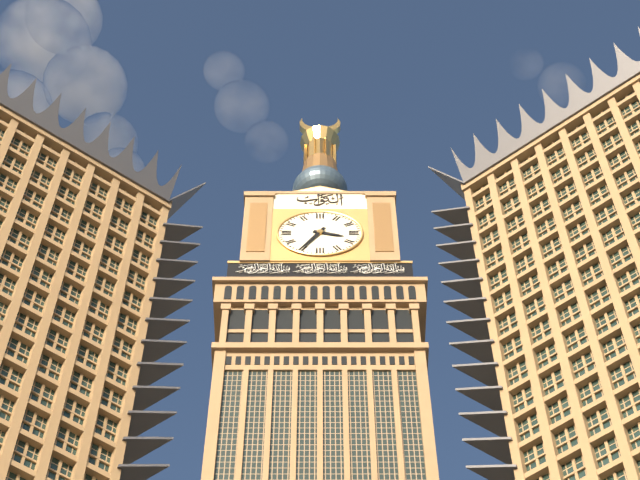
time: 3:35
